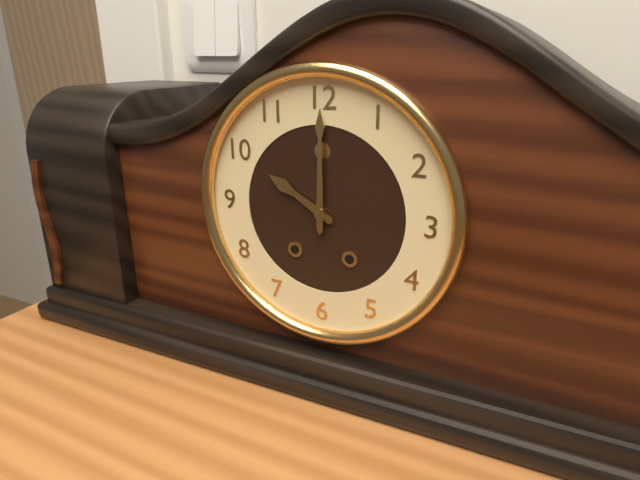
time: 10:00
